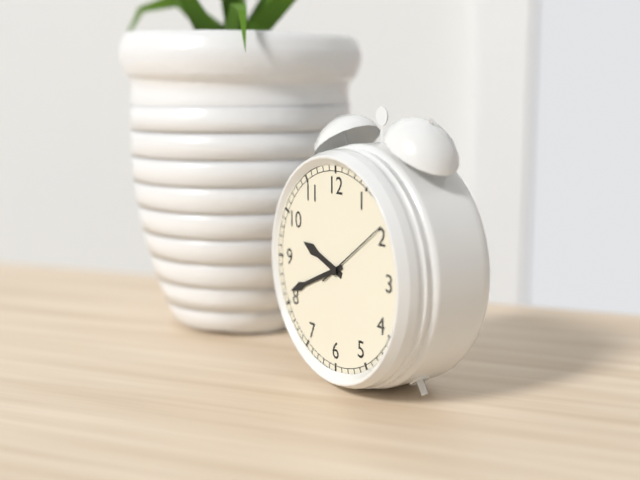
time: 9:41:09
